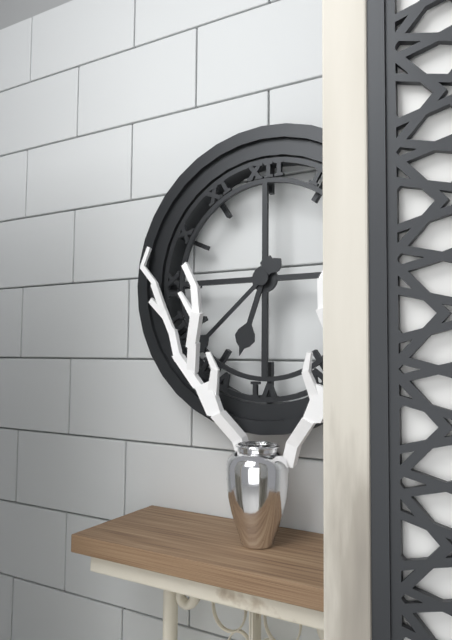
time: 6:38
